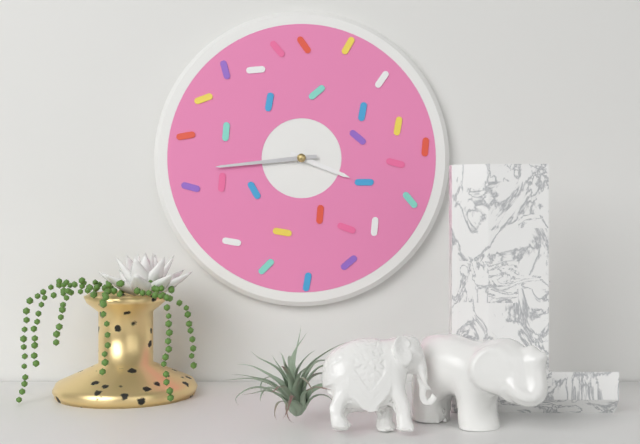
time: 3:44
